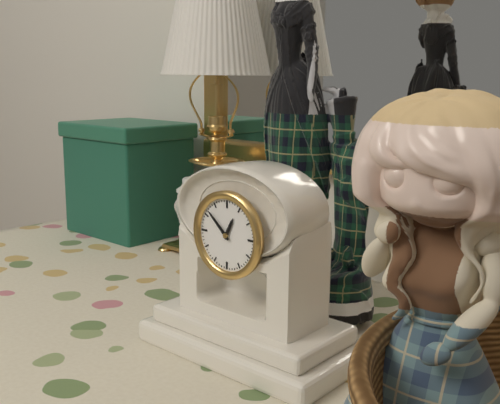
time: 12:52
